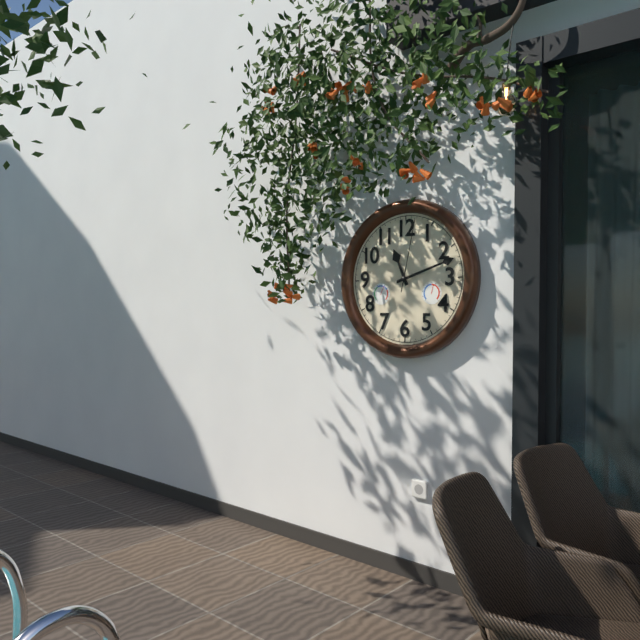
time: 11:12:02
